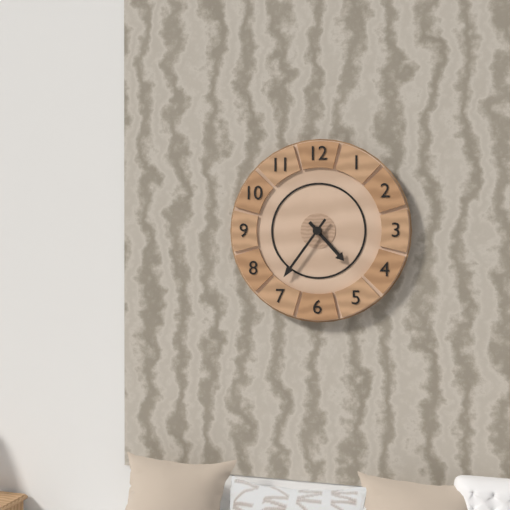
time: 4:36
